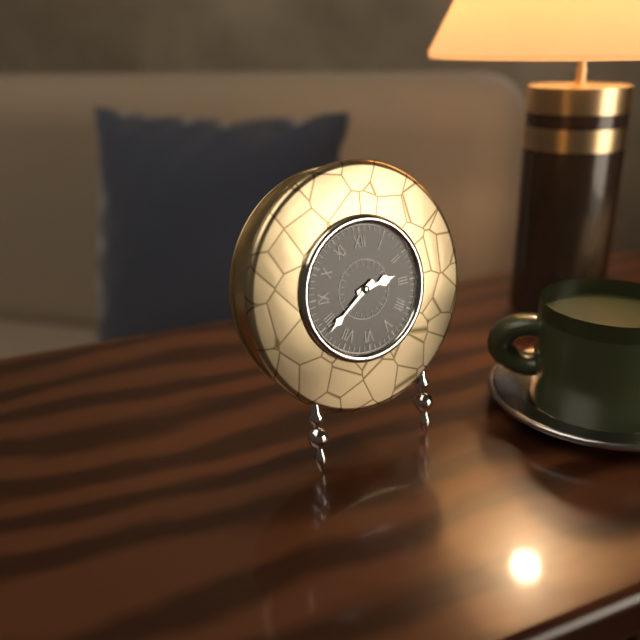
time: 2:39
